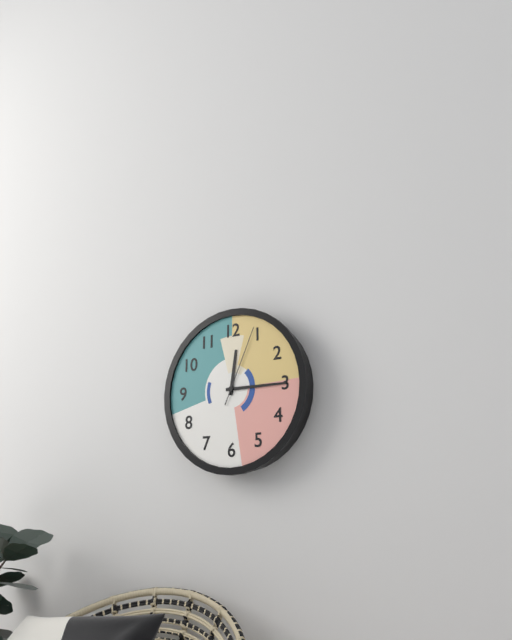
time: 12:15:04
